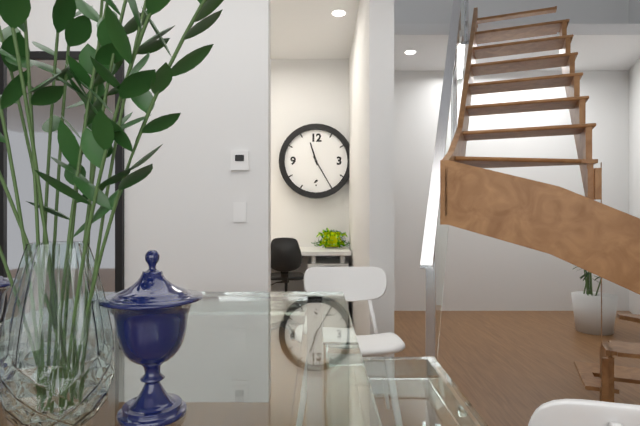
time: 11:25
